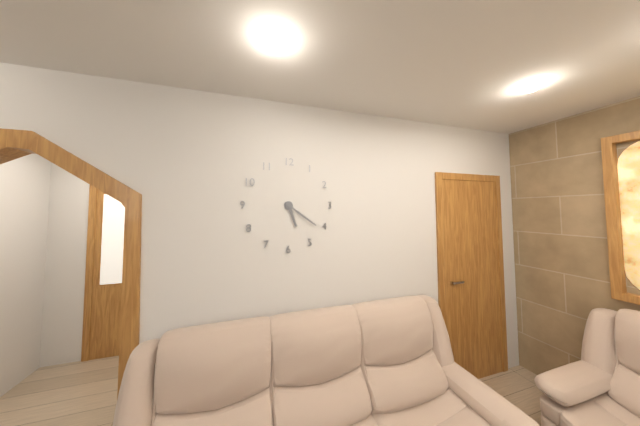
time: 5:21
